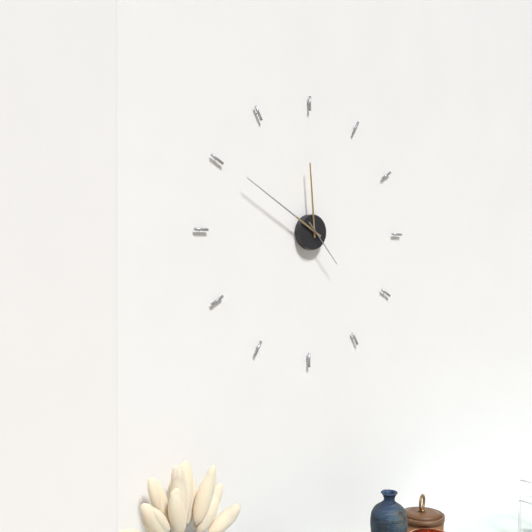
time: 11:50
